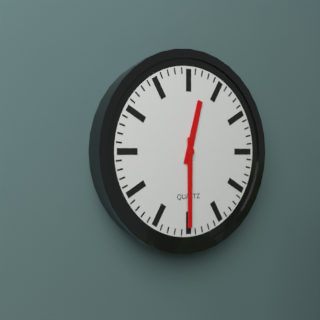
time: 12:30
